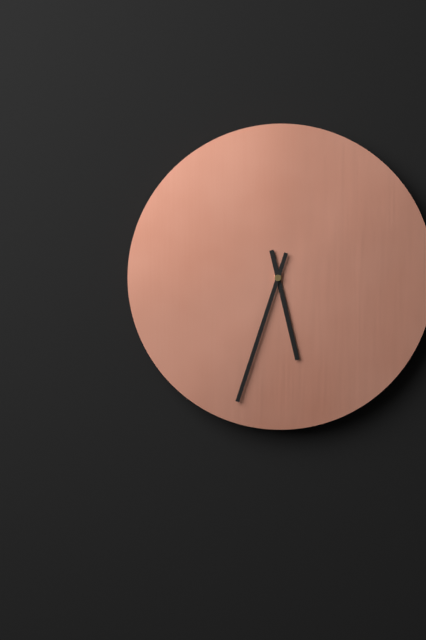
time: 5:33
